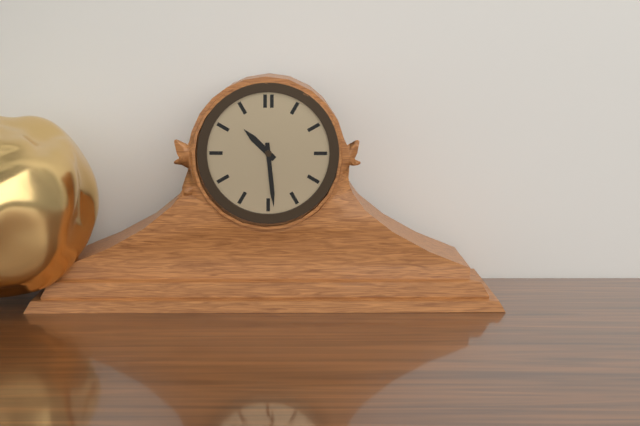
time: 10:29
